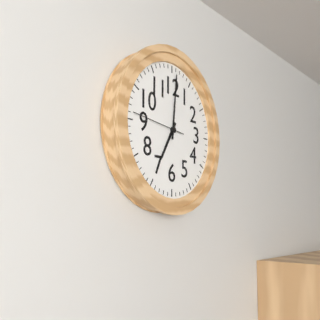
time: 7:01:46
